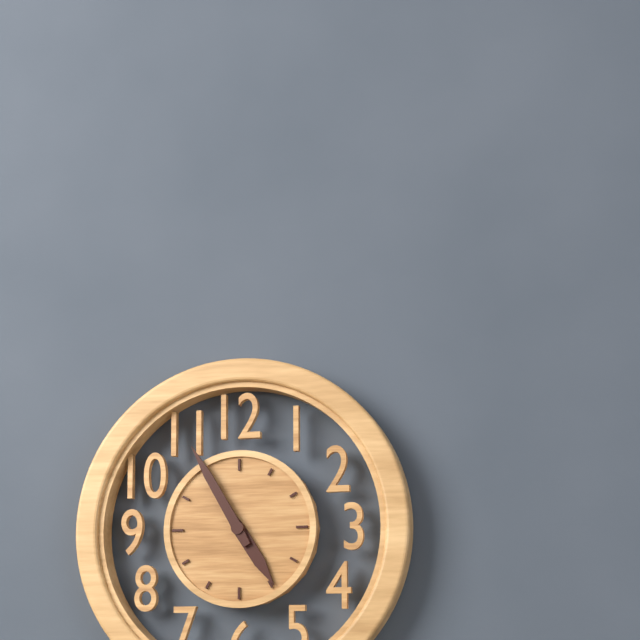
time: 4:55
